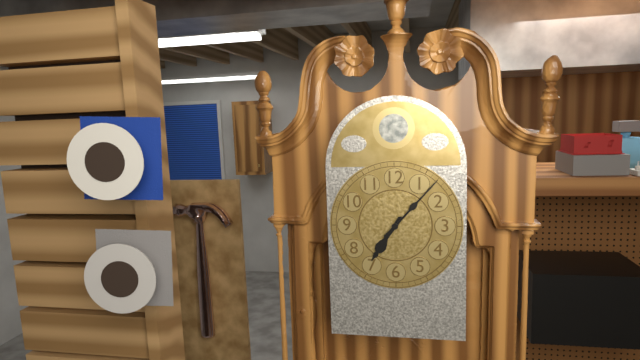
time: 7:07
